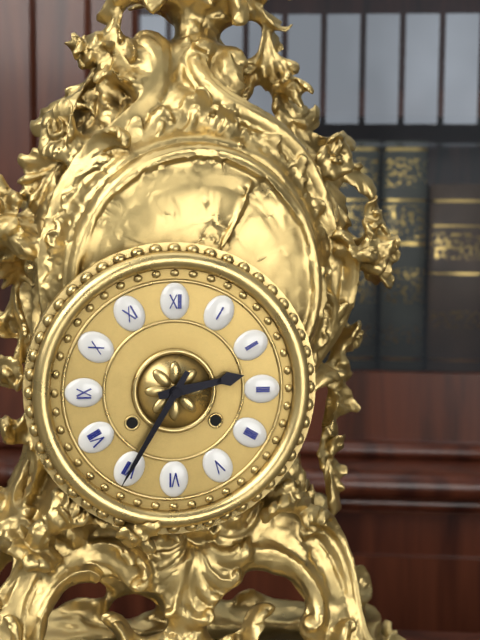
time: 2:35
